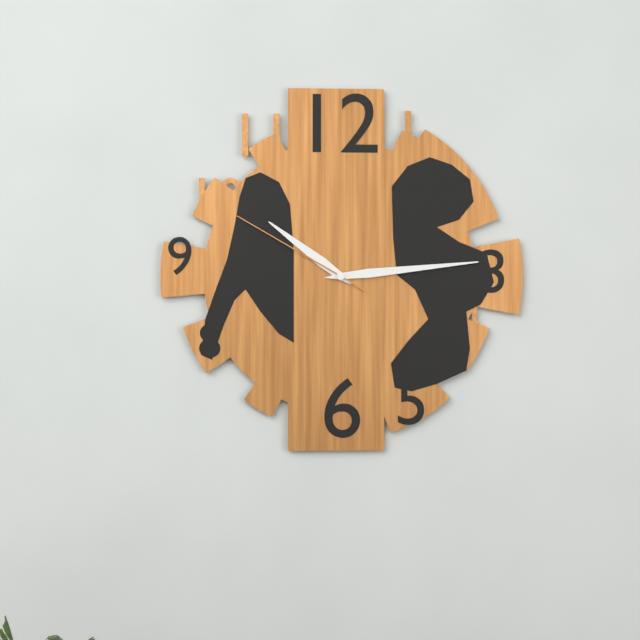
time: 10:14:50
